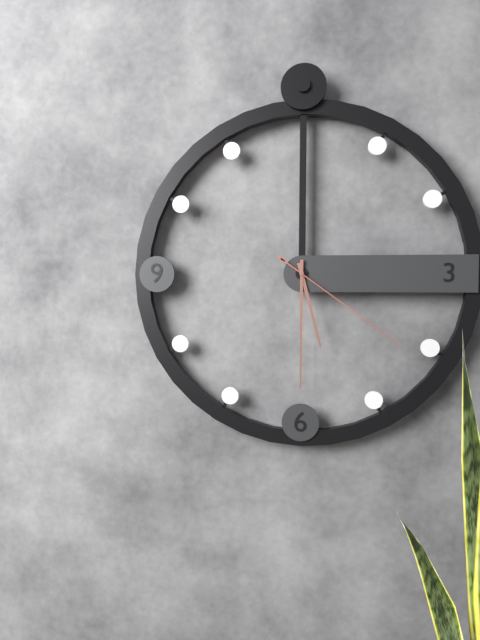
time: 5:30:21
